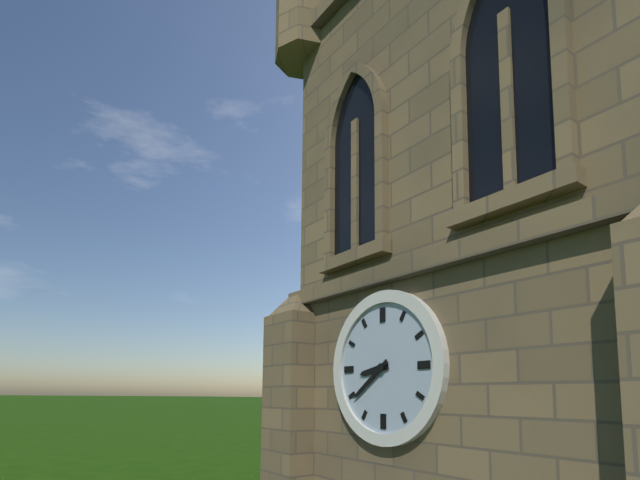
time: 8:39
